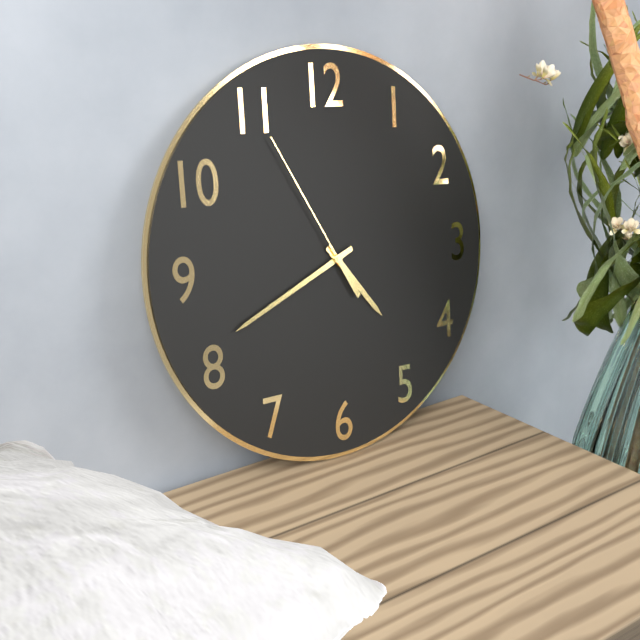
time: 4:41:55
